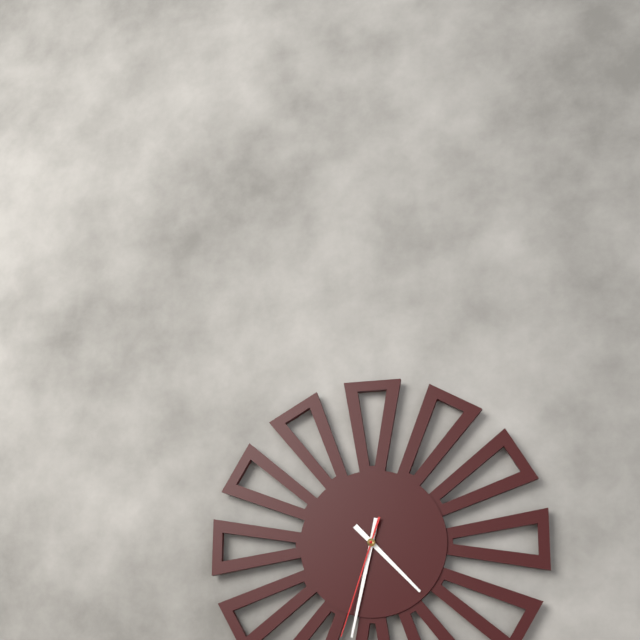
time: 4:32:33
